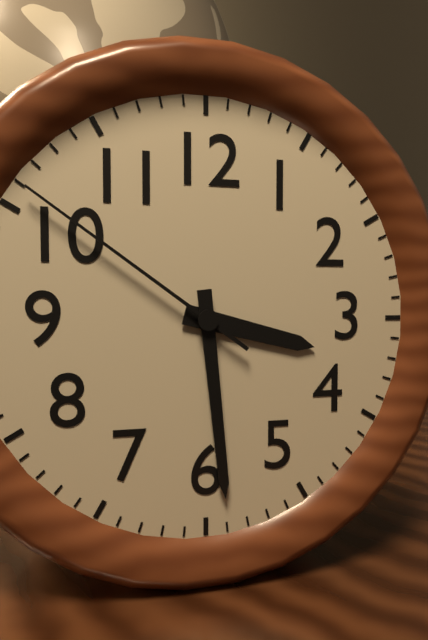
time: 3:29:51
